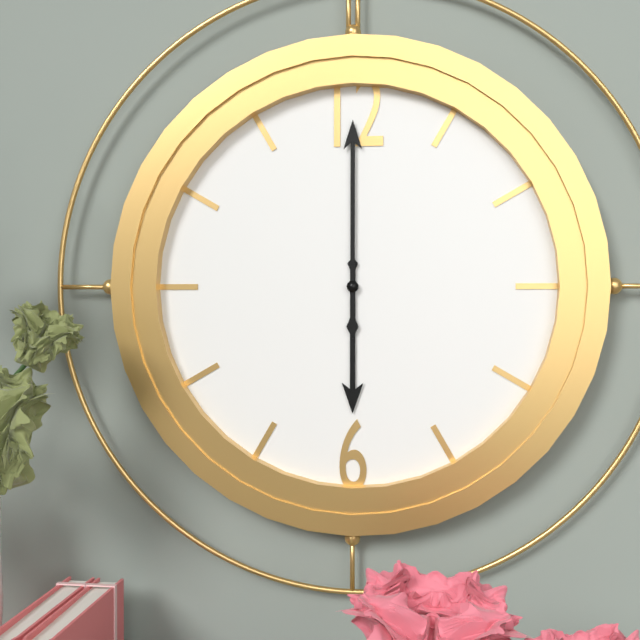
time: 6:00
